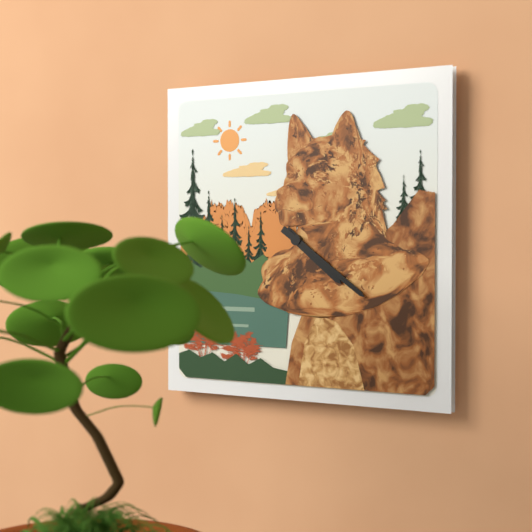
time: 4:21
